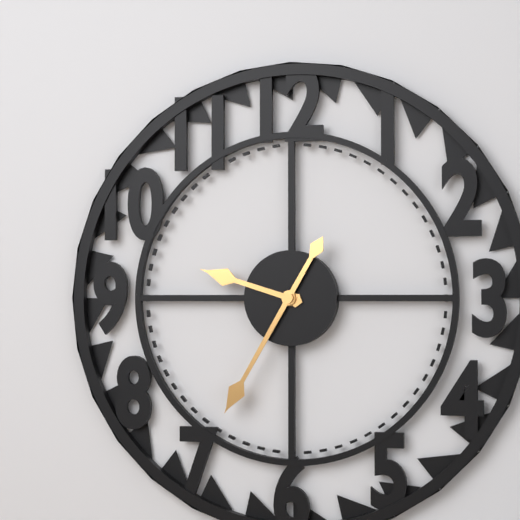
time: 9:35
